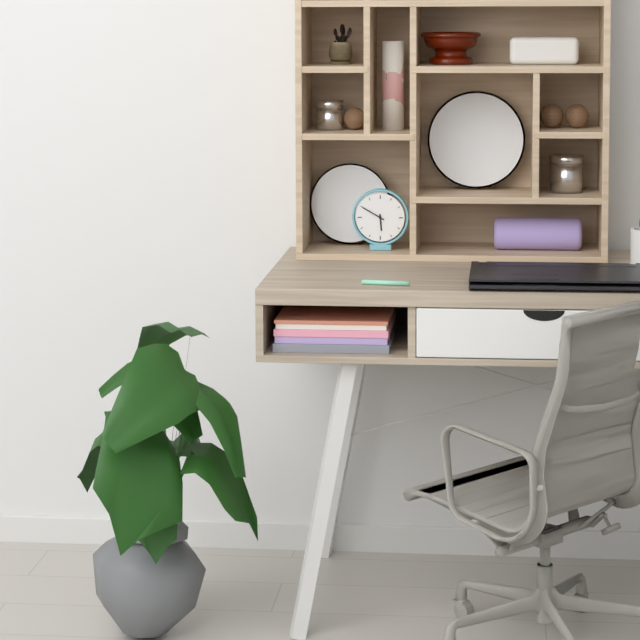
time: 5:50
